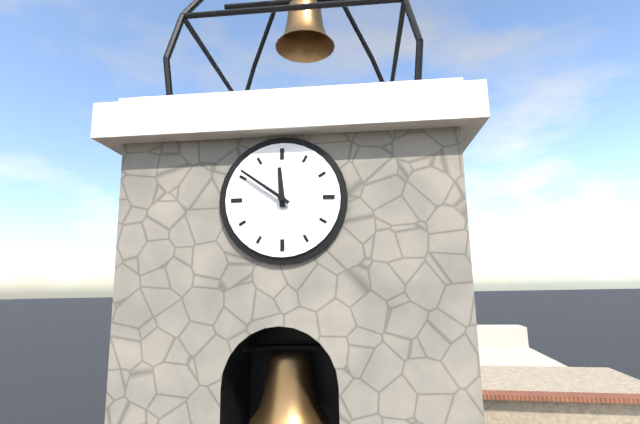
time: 11:51
